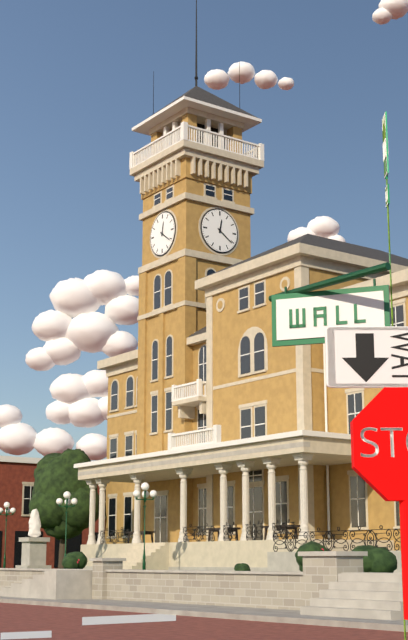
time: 12:21
